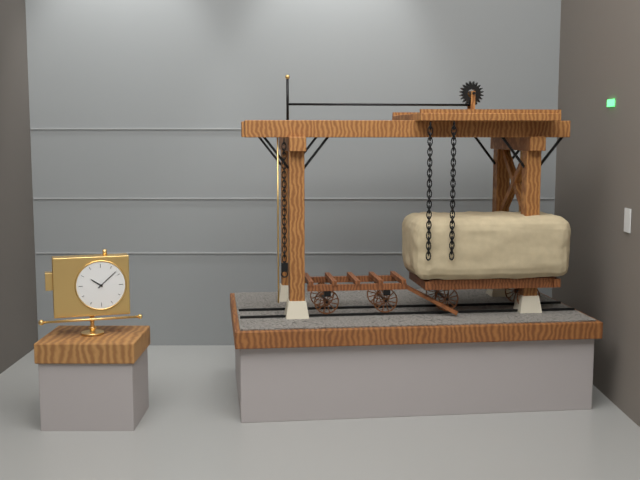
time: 10:08
